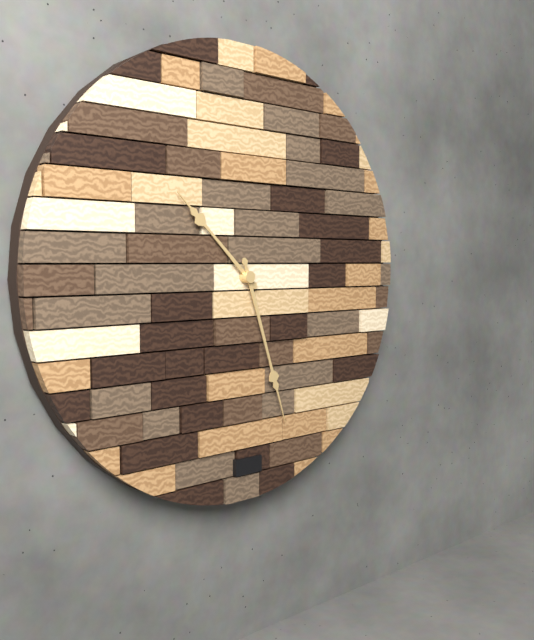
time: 10:27
